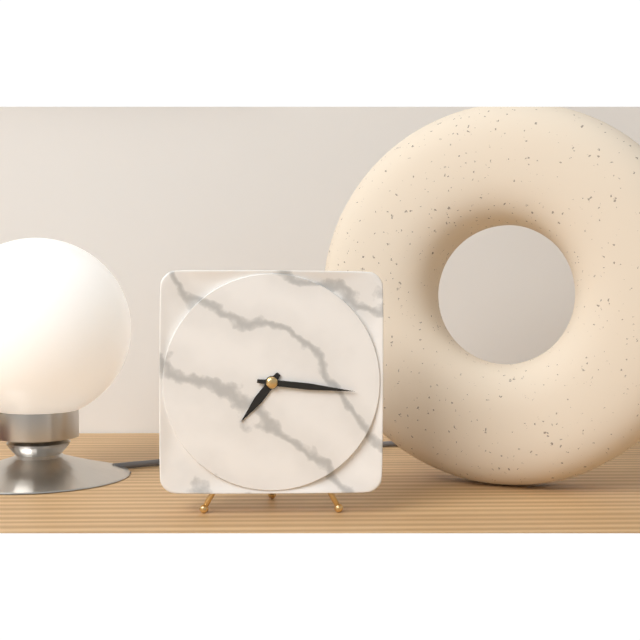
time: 7:16
